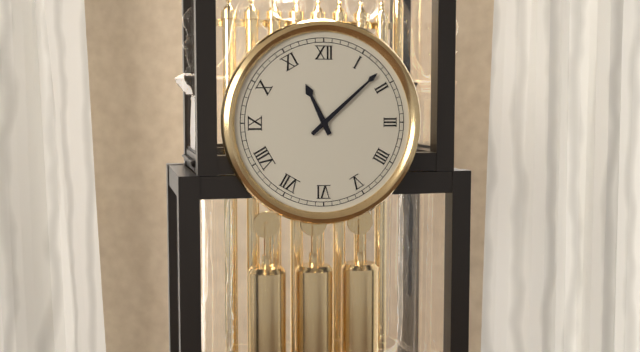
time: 11:08
